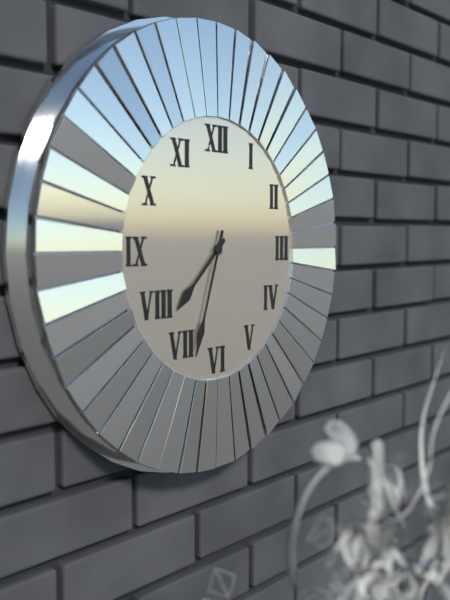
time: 7:33
